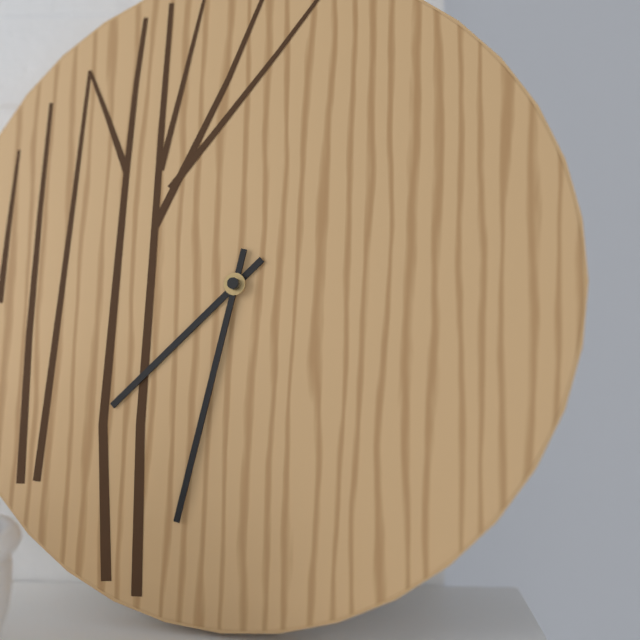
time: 7:32
